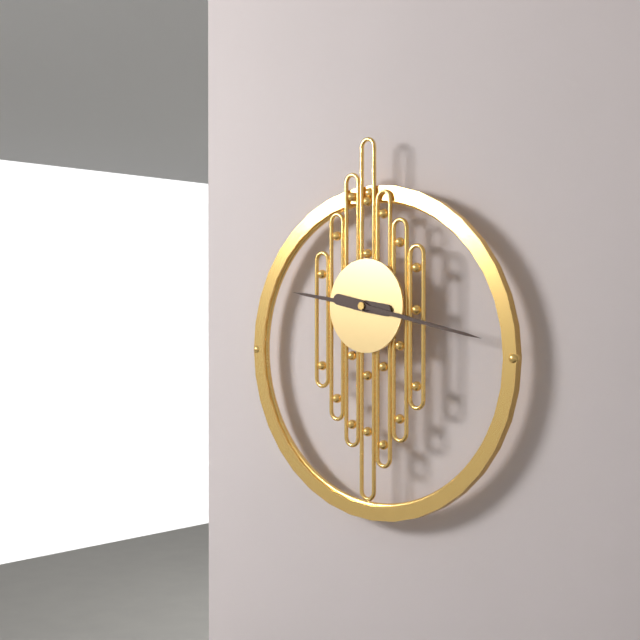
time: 9:17
